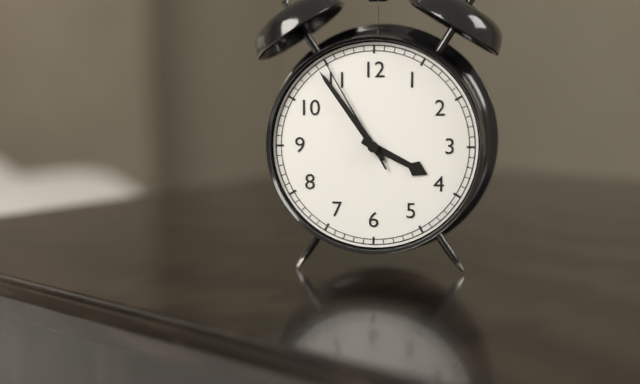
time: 3:54:55
